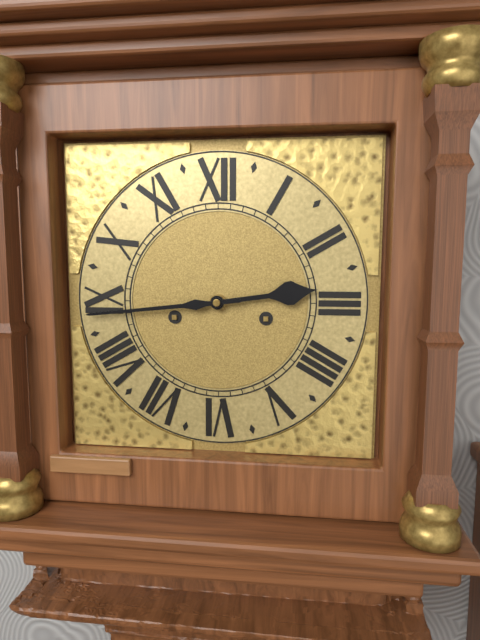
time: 2:44
